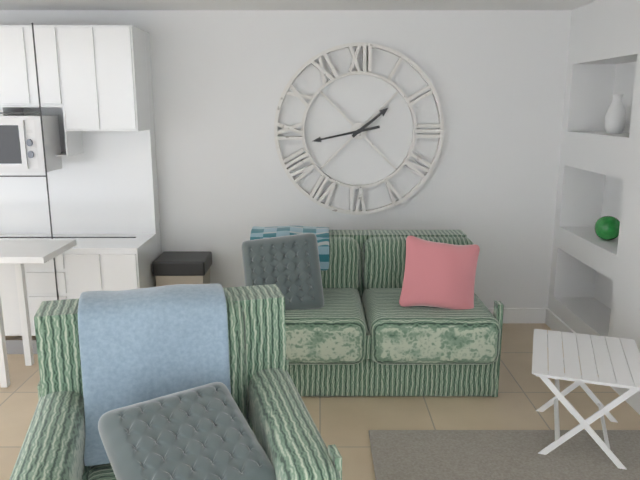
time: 1:43
